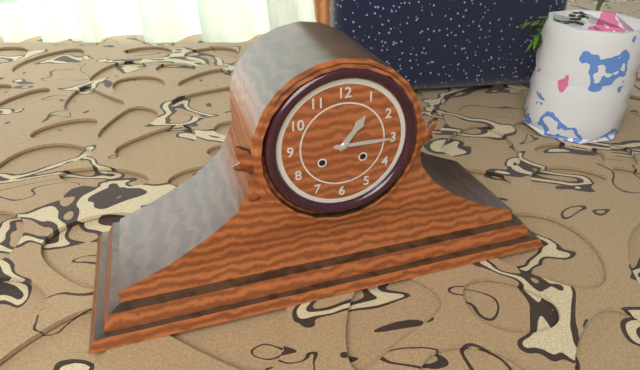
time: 1:15
